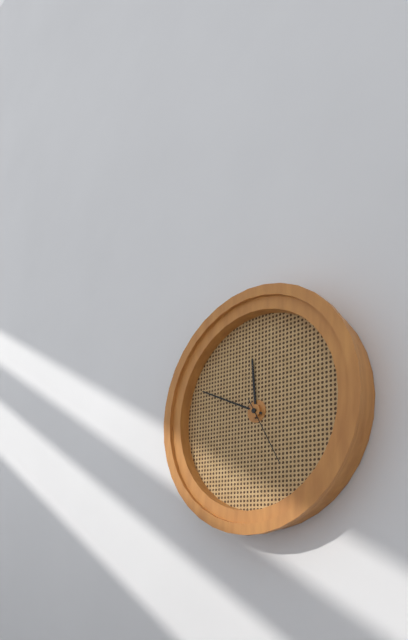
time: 11:49:25
